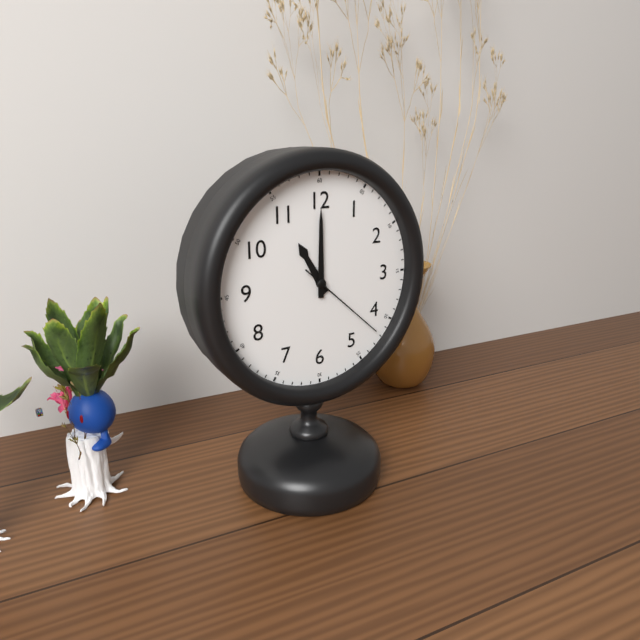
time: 11:00:22
